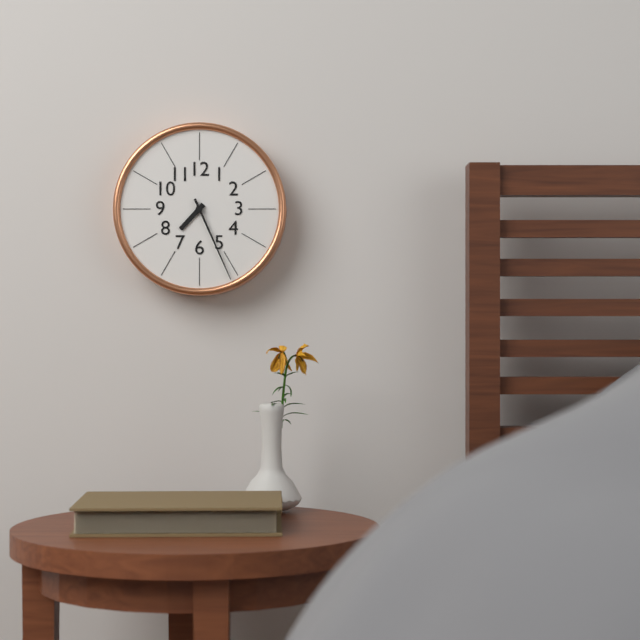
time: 7:26
